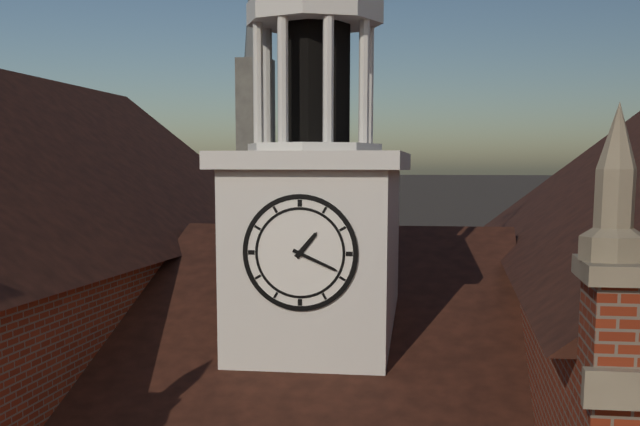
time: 1:19
